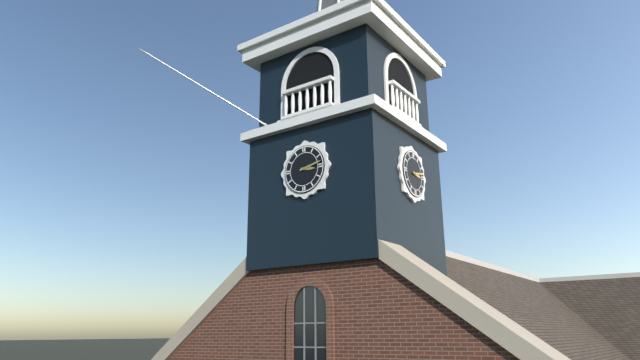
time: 3:13
